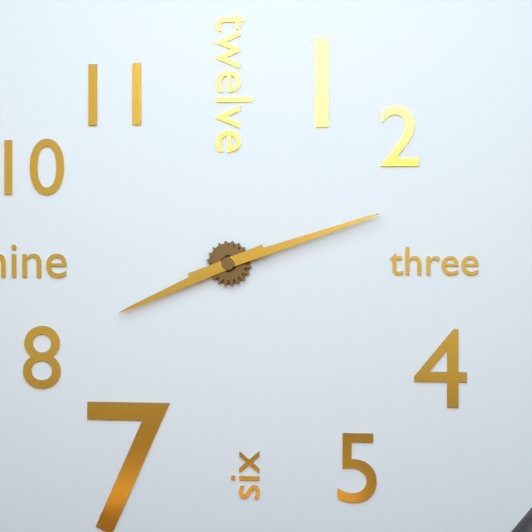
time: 8:12
